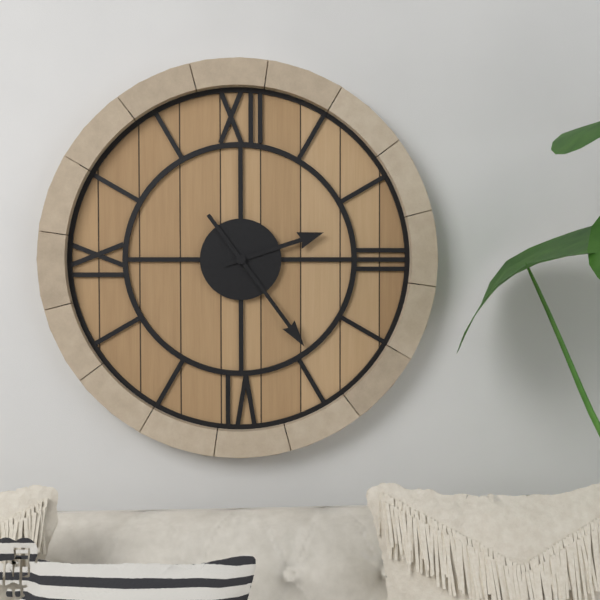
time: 2:24
